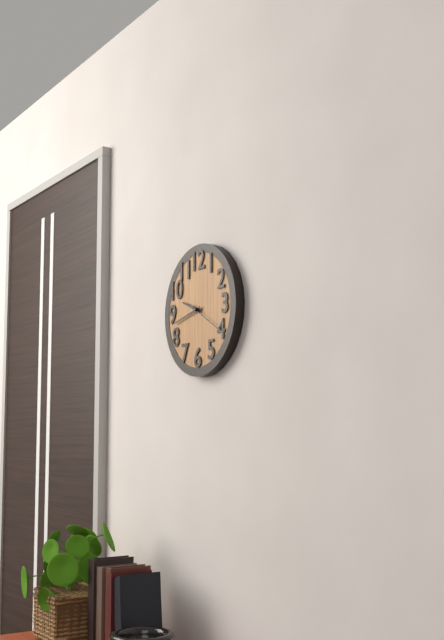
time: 9:43
